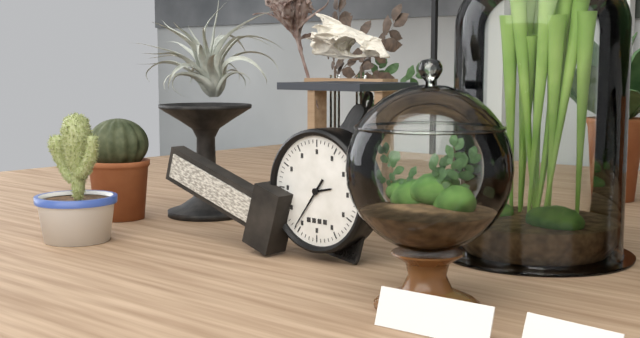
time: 2:36
